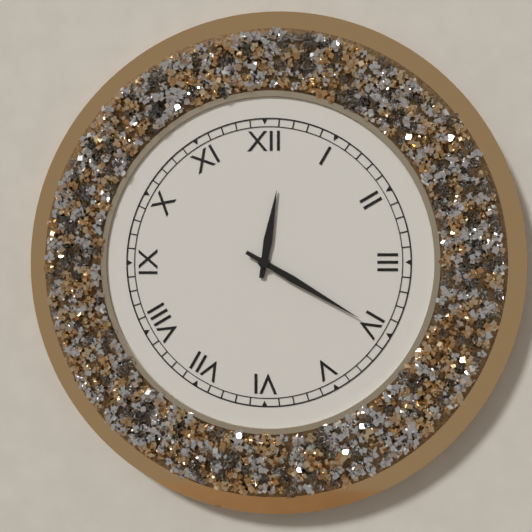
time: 12:20
